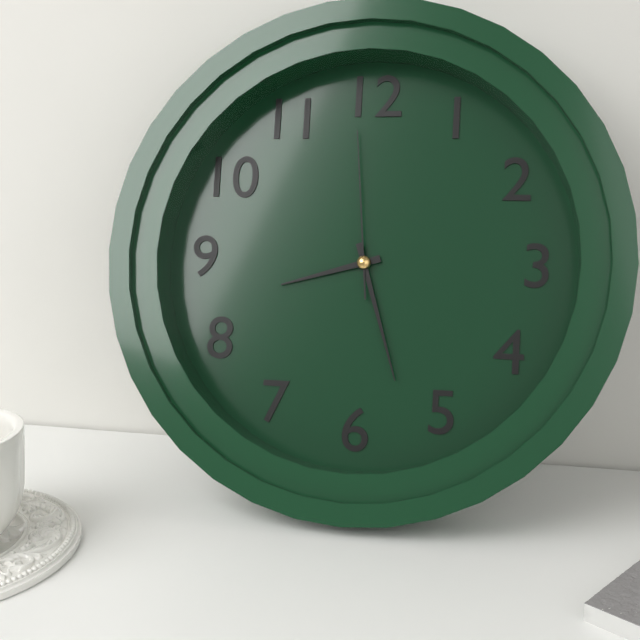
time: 8:27:59
